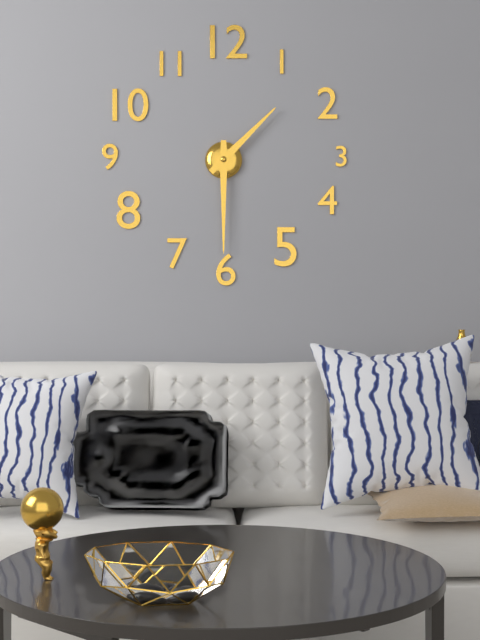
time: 1:30
